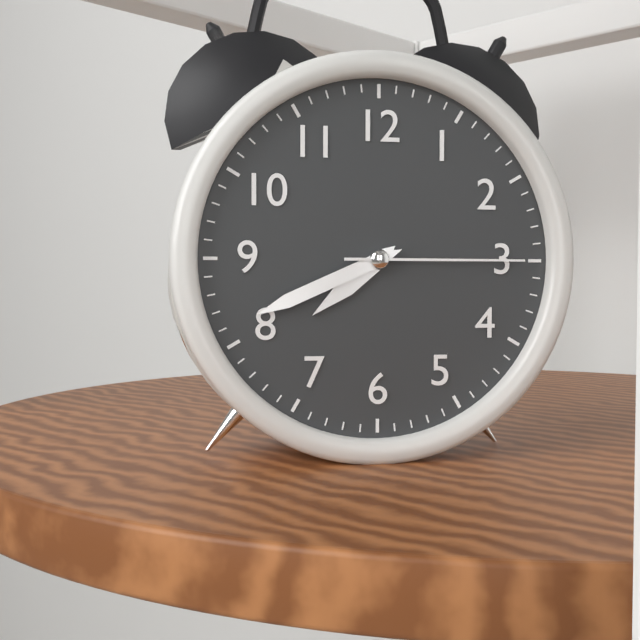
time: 7:41:15
